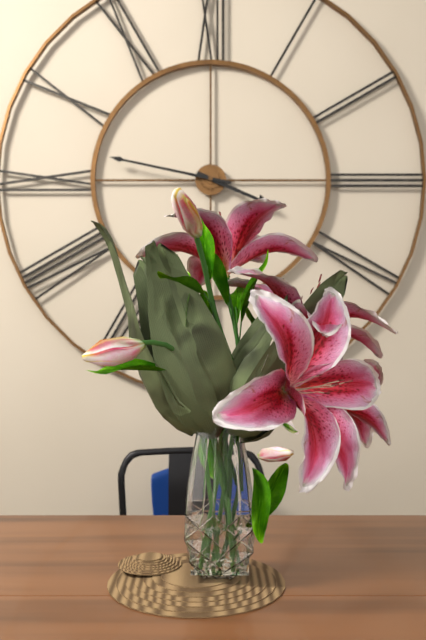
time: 3:47
